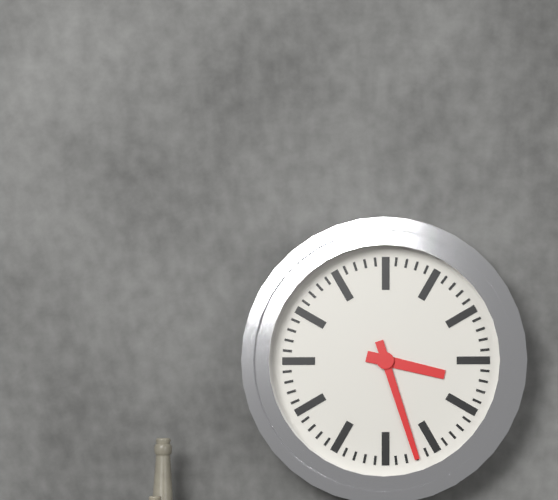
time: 3:27
